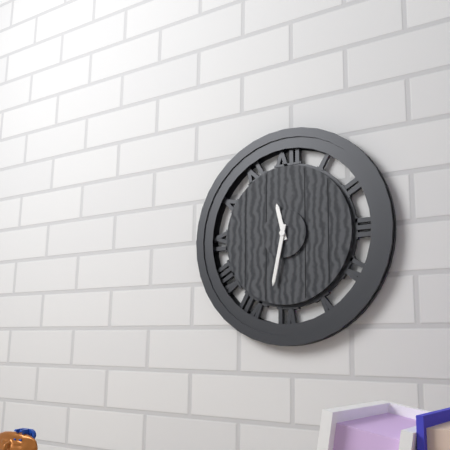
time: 11:32
